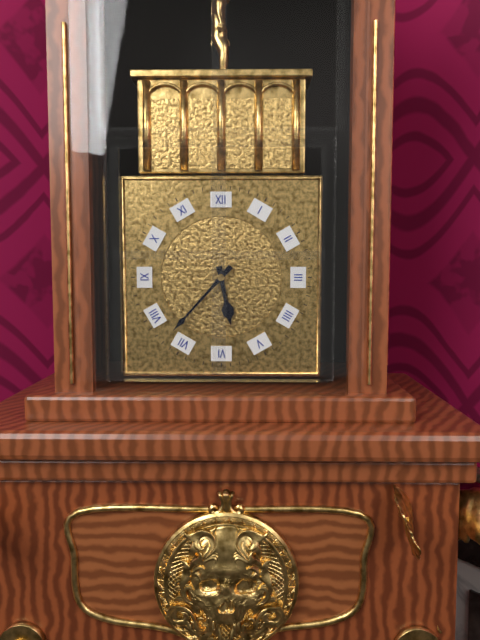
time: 5:37
